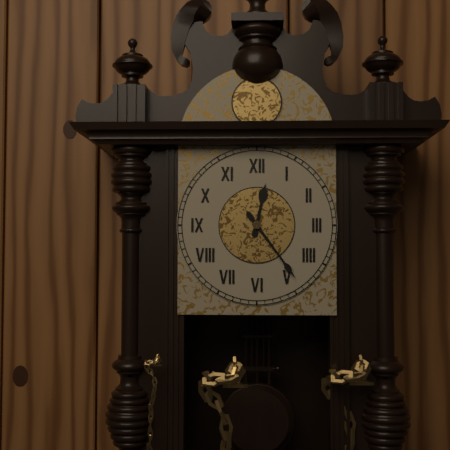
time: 12:24
